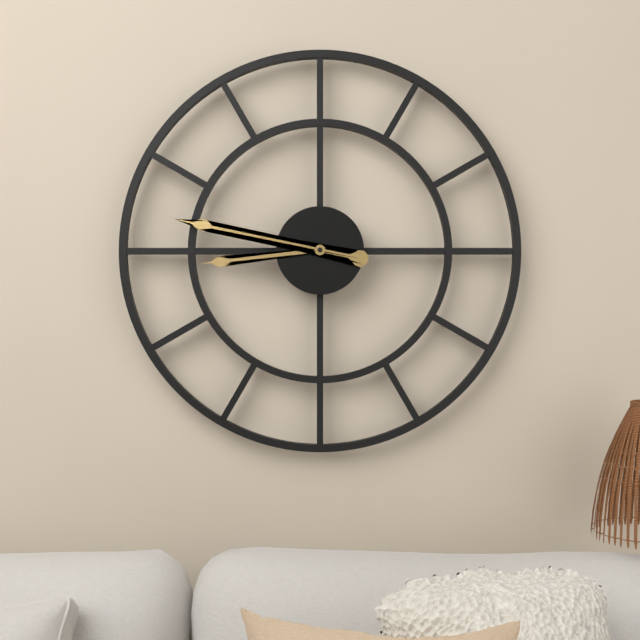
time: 8:47
